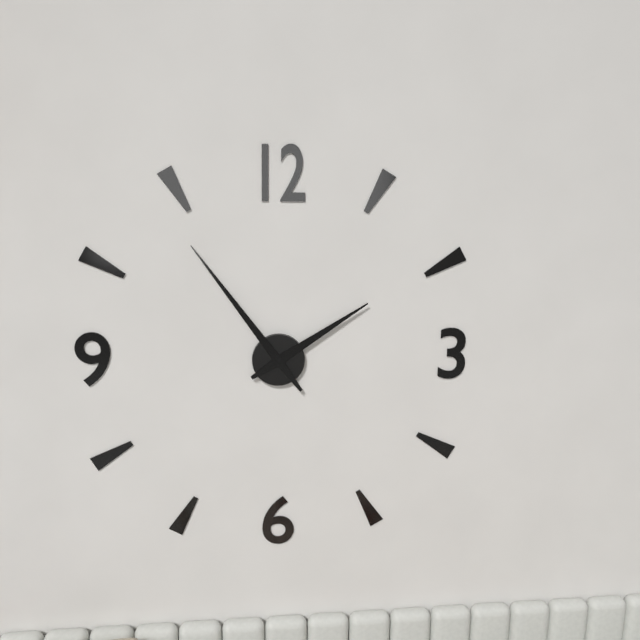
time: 1:54
